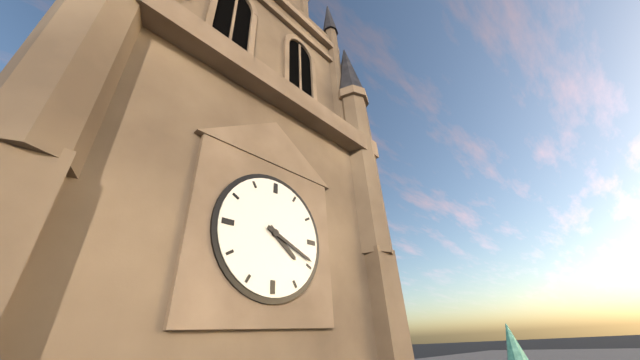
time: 4:19
